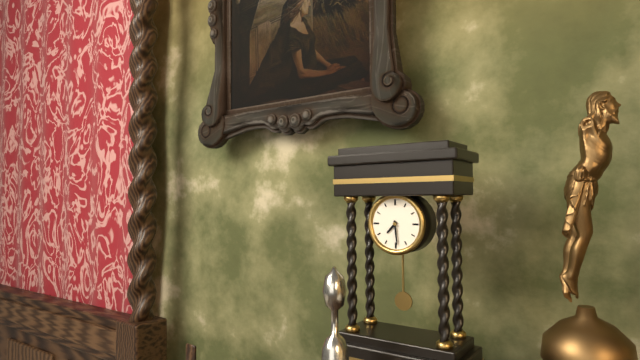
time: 7:29
